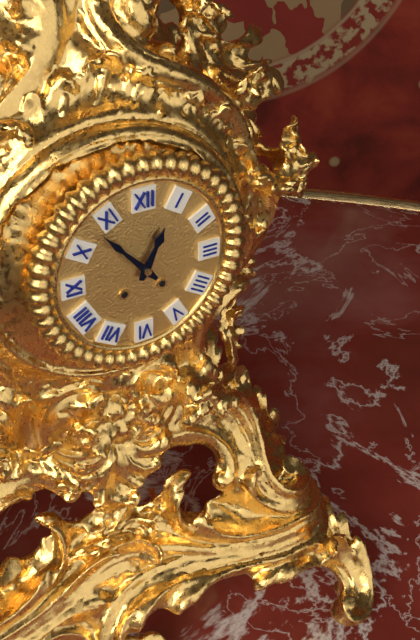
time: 12:53
